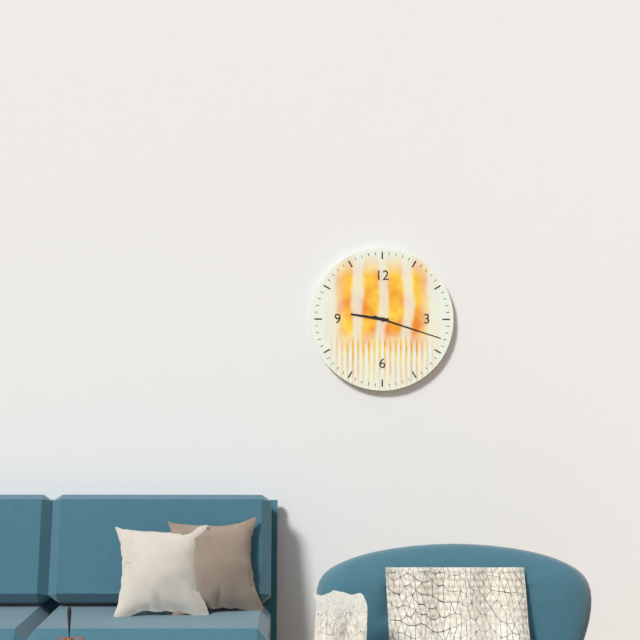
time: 9:18
